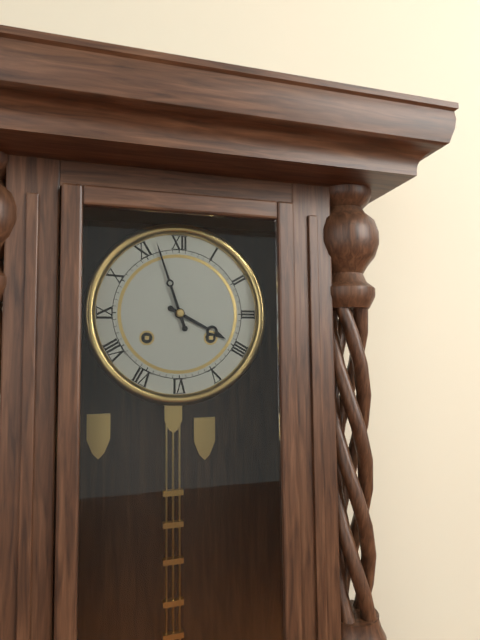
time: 3:57
